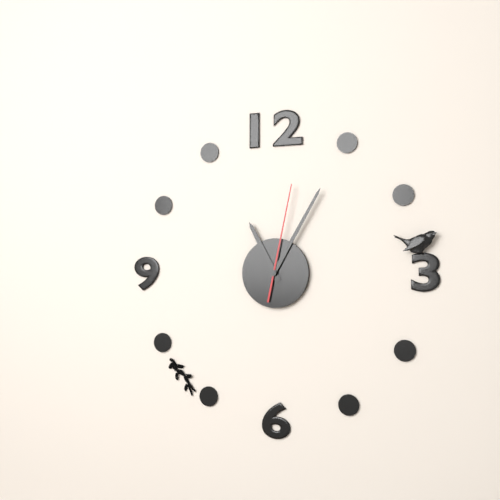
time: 11:05:02
